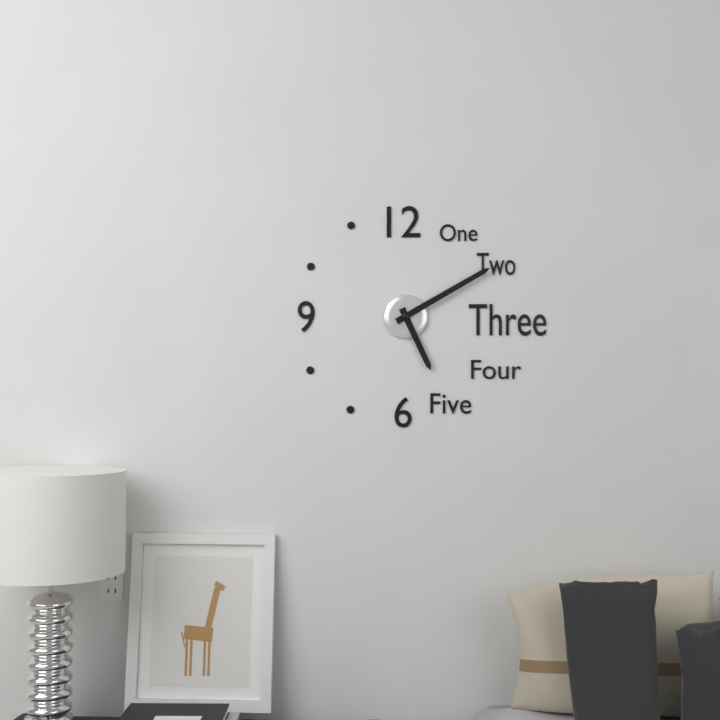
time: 5:10
